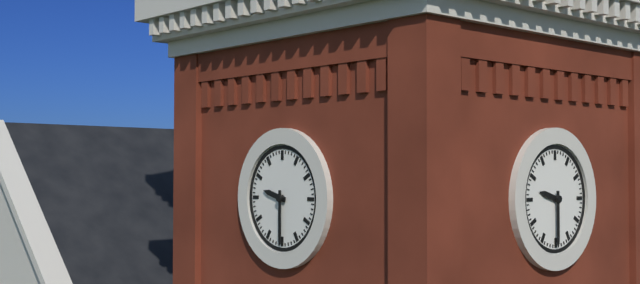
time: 9:30
